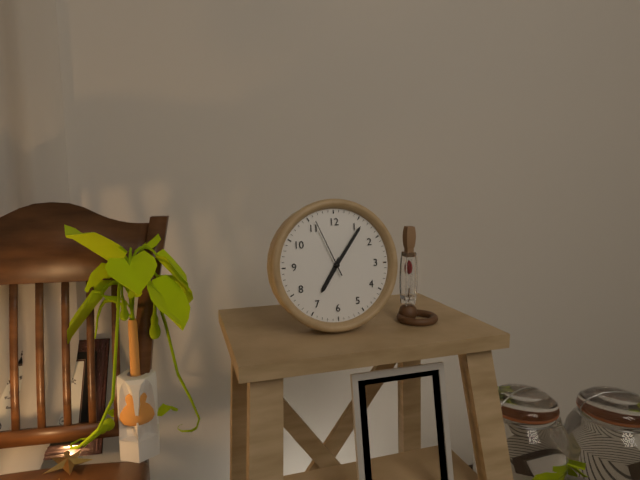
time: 7:06:56
